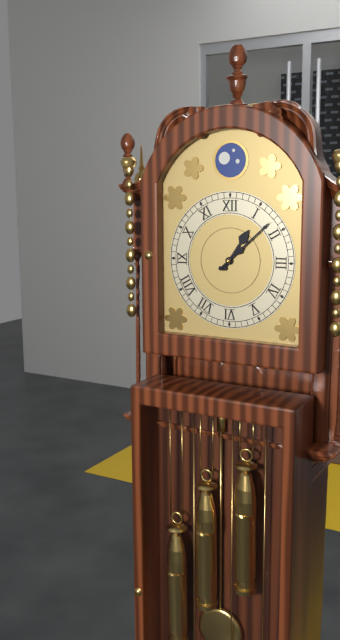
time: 1:08
